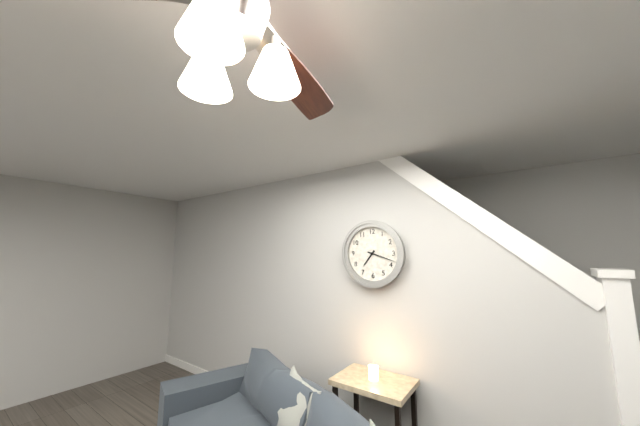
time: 7:18
